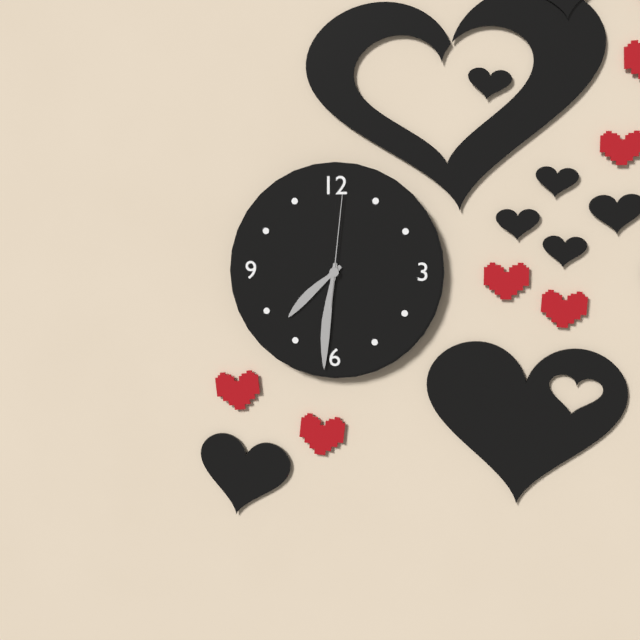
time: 7:31:01
